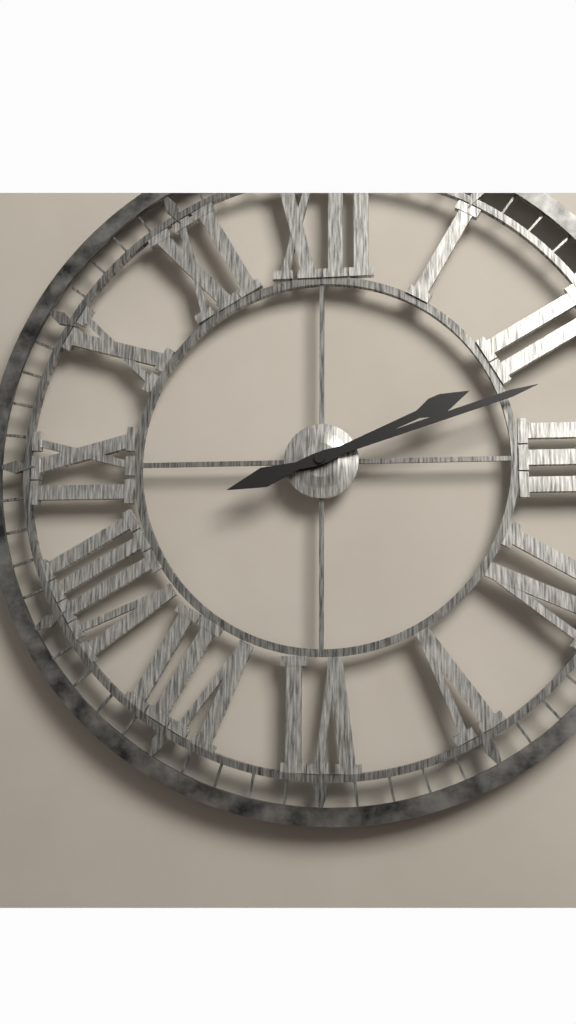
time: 2:12
